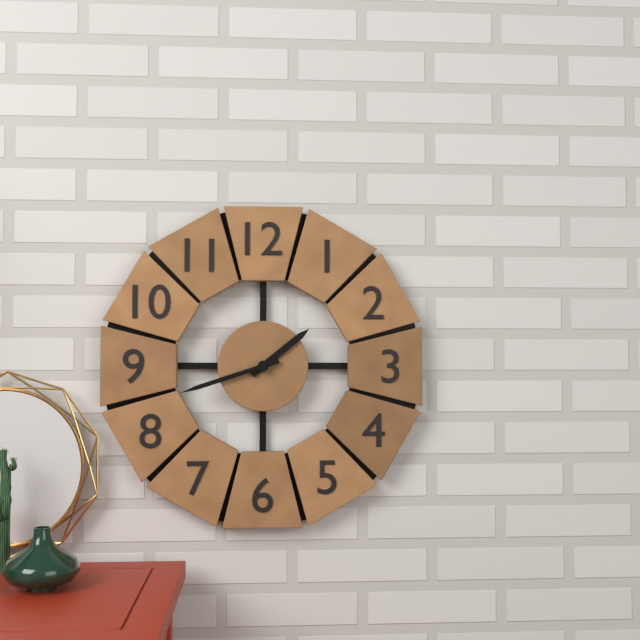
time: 1:42
